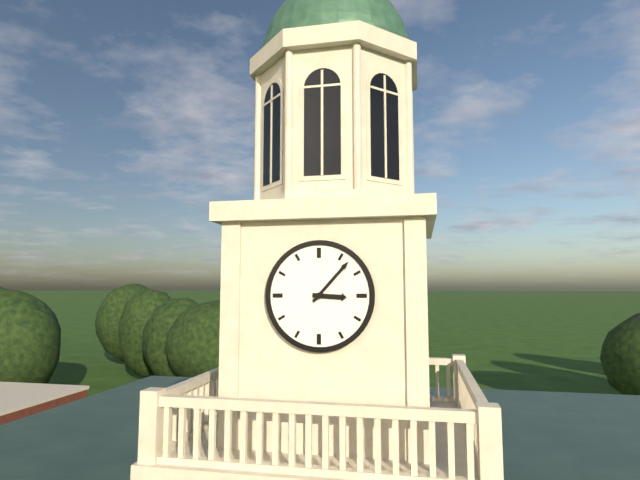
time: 3:07
